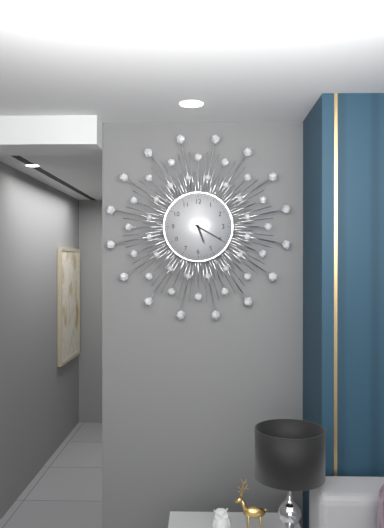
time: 5:20
